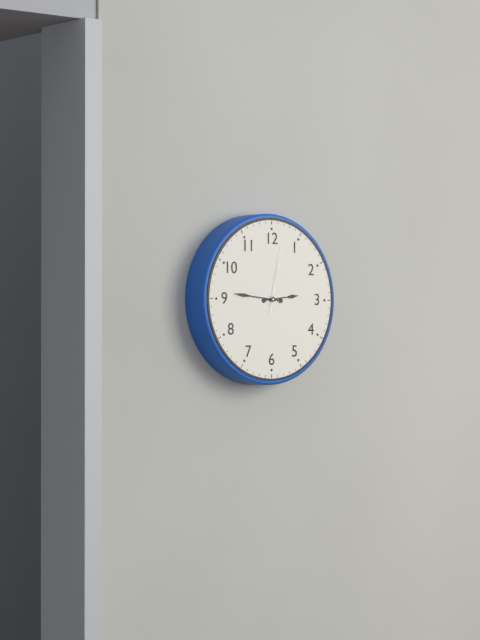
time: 2:46:02
